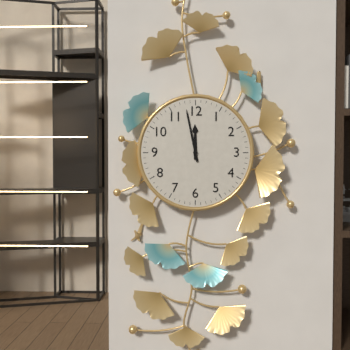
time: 11:58
